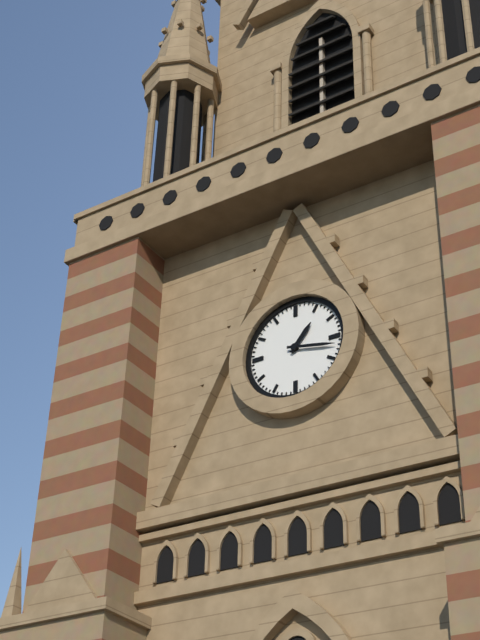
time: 1:17
